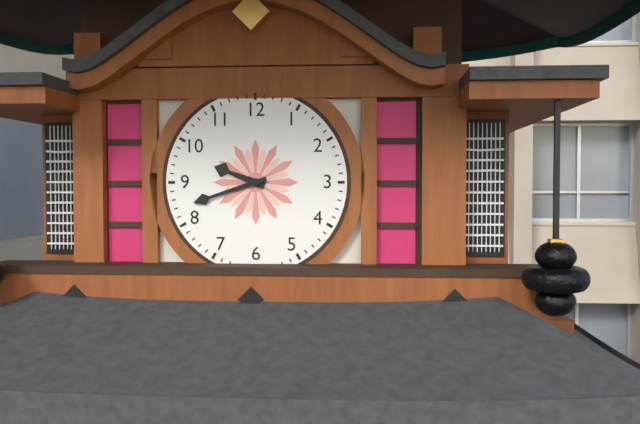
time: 9:42
